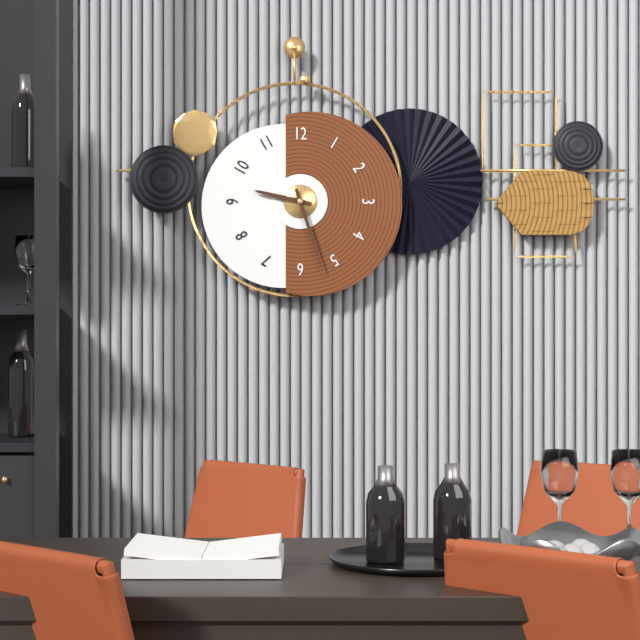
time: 9:27
